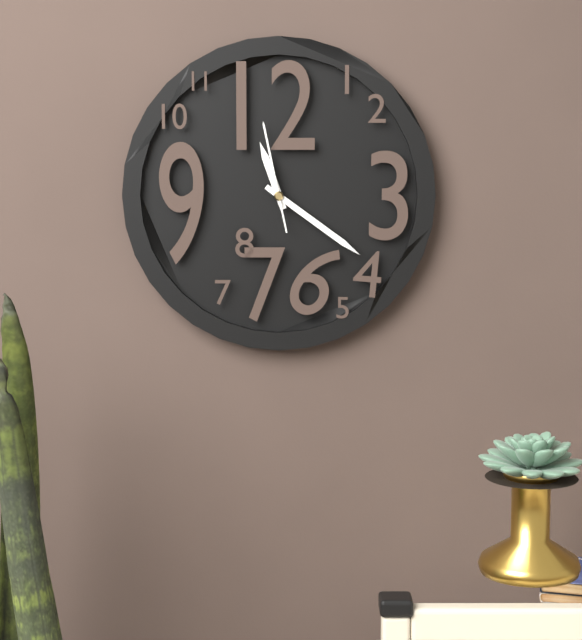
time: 11:21:58
